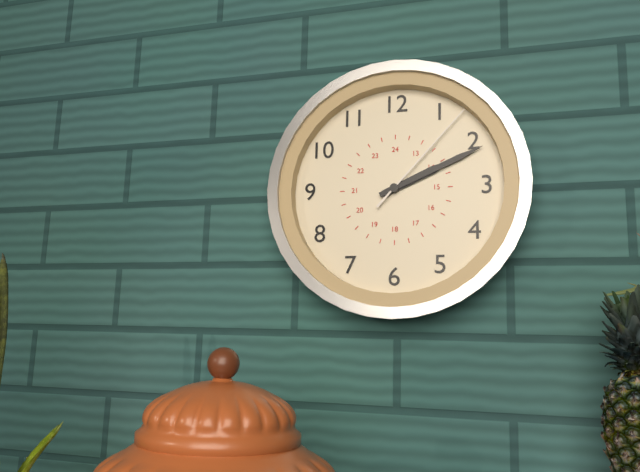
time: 2:11:07
